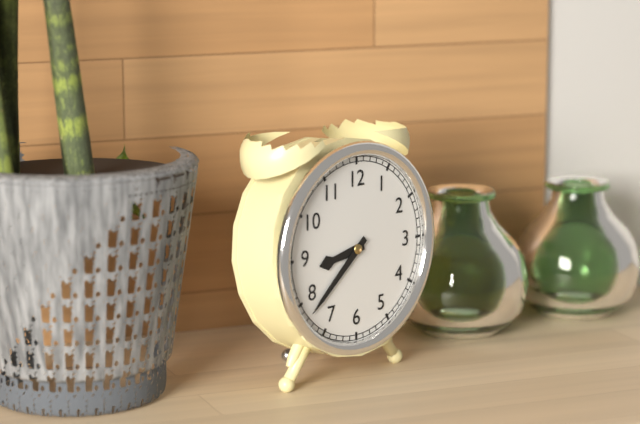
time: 8:38
